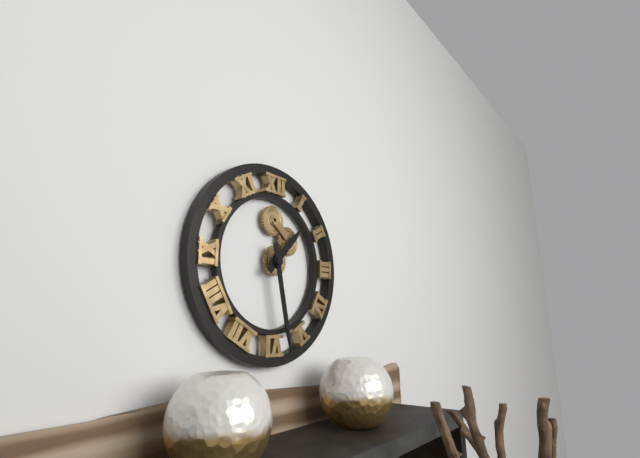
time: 1:28
